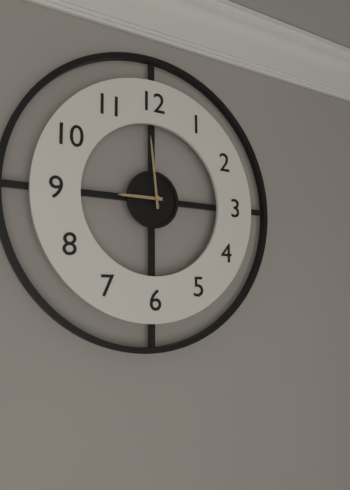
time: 8:59
